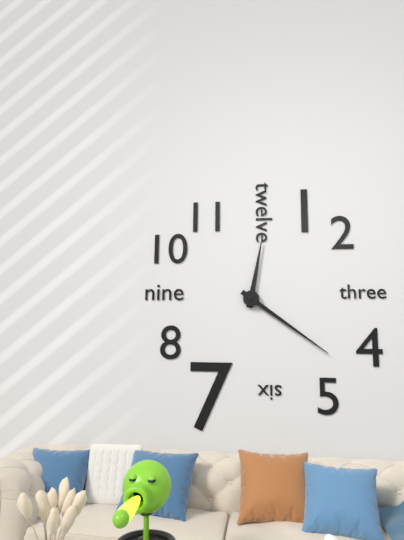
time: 12:21
